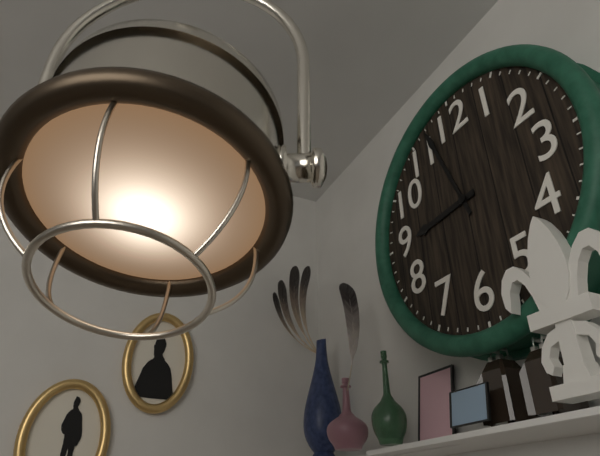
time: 8:57
